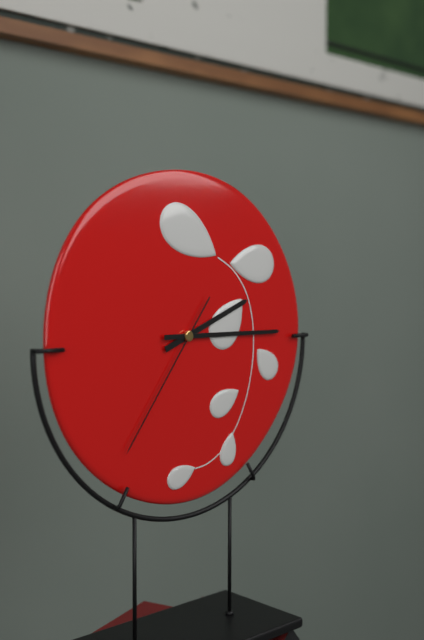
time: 2:15:36
